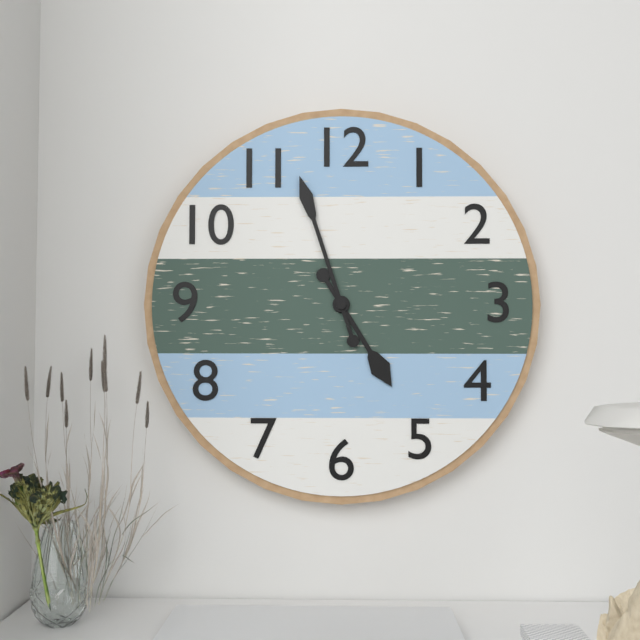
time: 4:57
